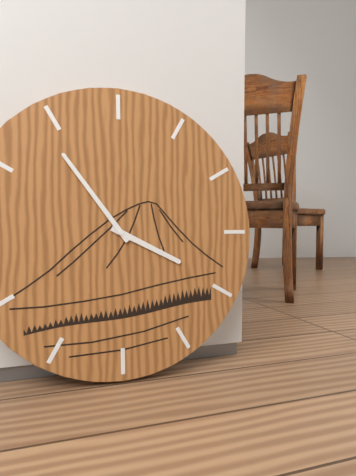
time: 3:54
